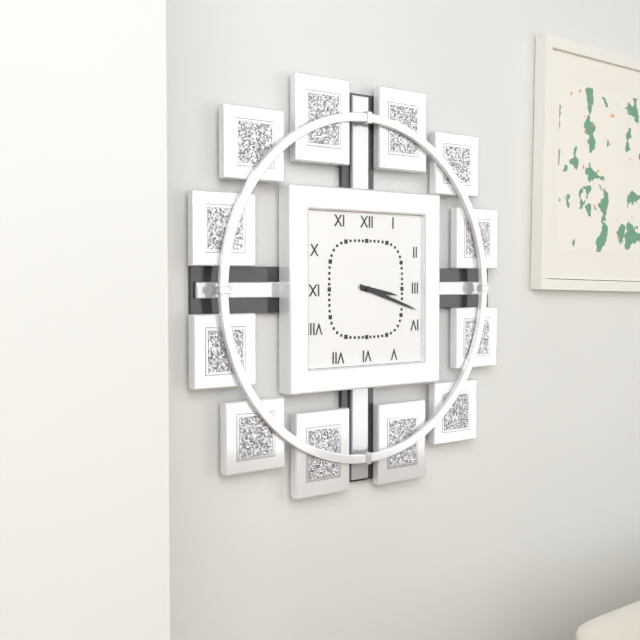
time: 3:18
